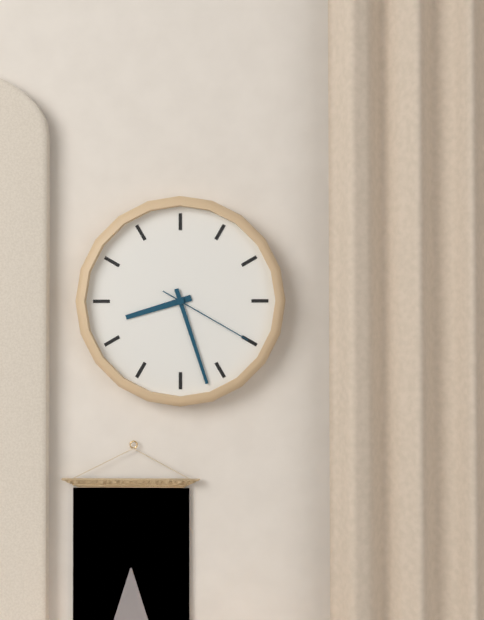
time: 8:27:20
